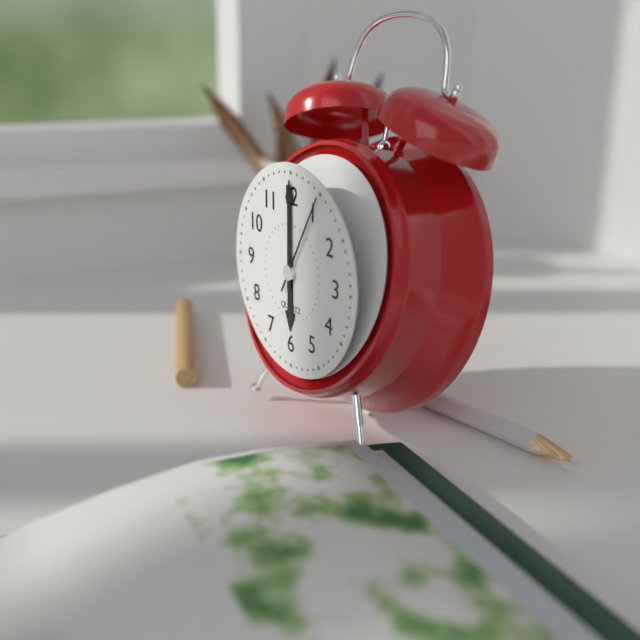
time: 6:00:05
